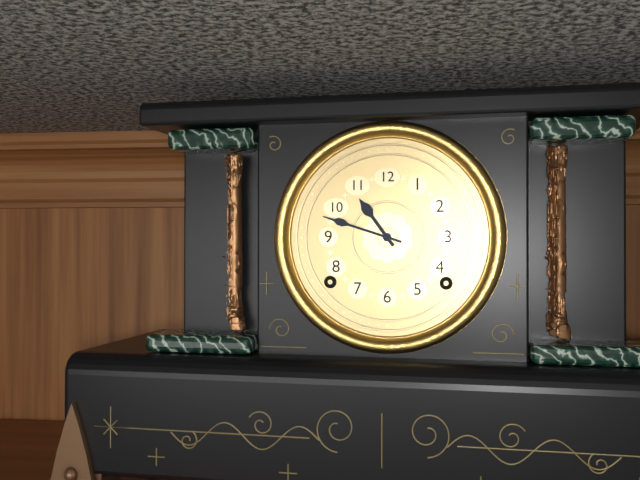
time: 10:48
